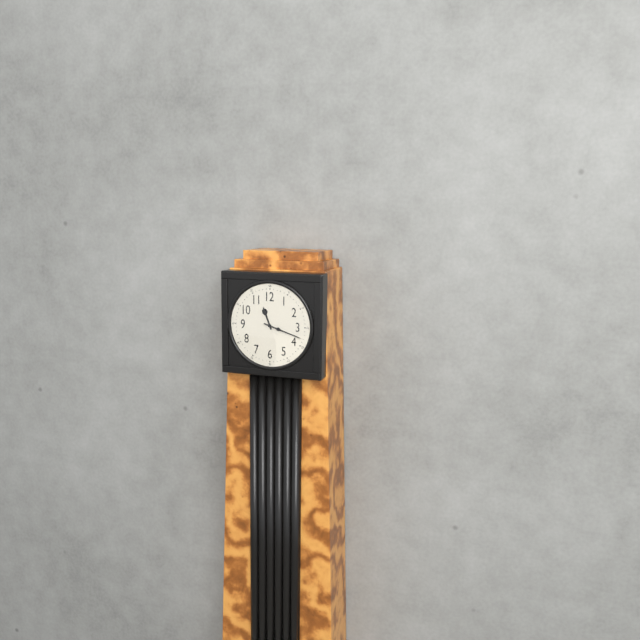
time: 11:18
